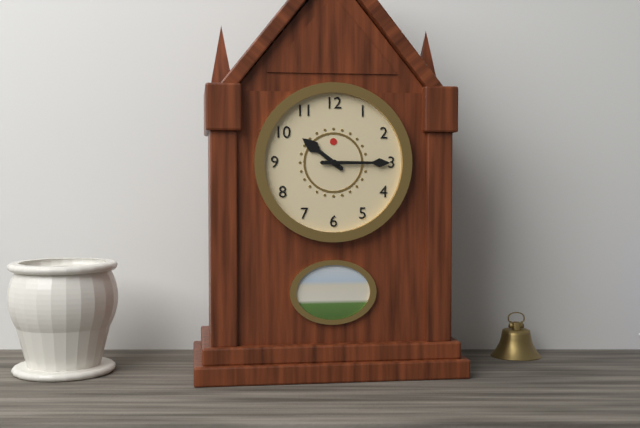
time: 10:15
